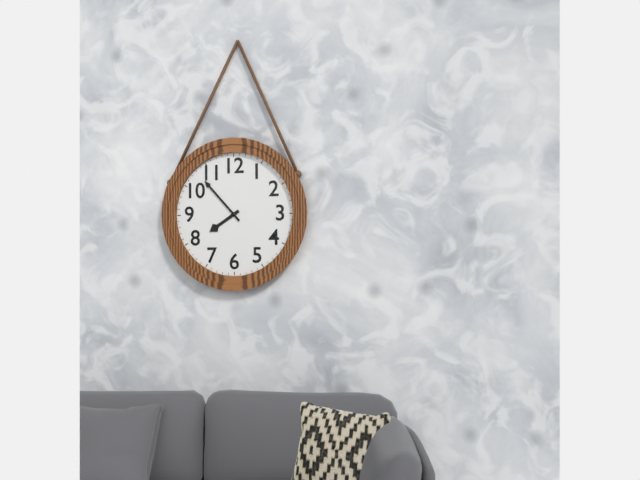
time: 7:53
